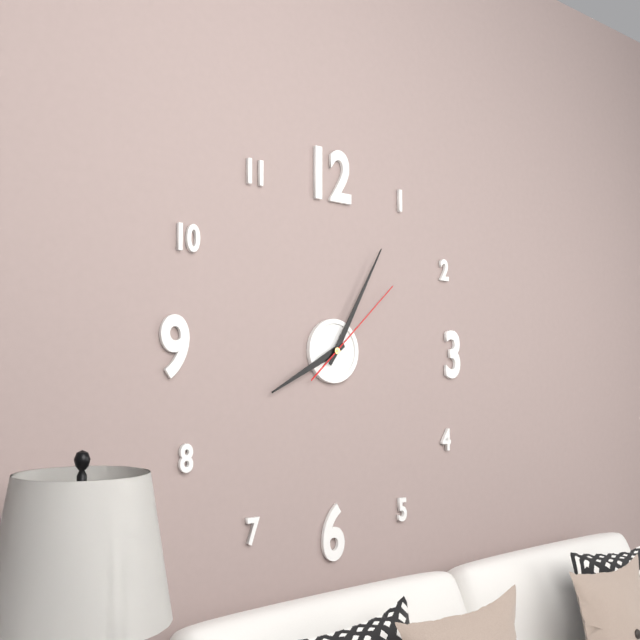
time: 8:05:08
